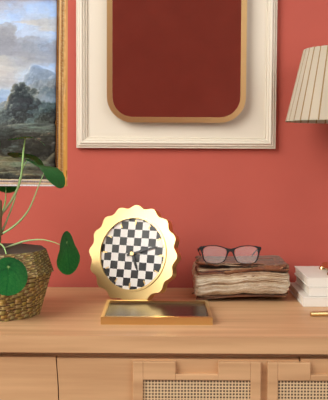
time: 5:12
